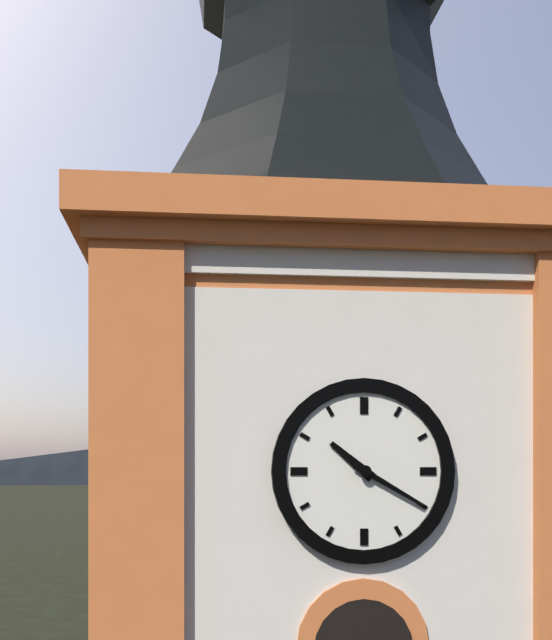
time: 10:20
